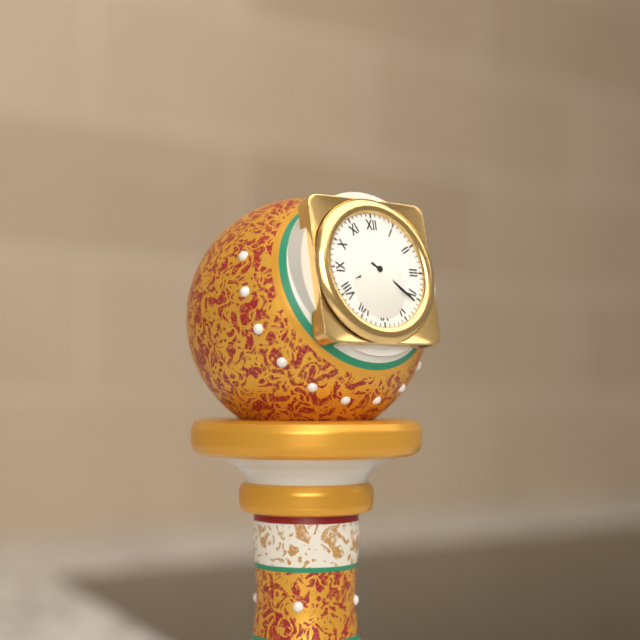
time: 8:21
